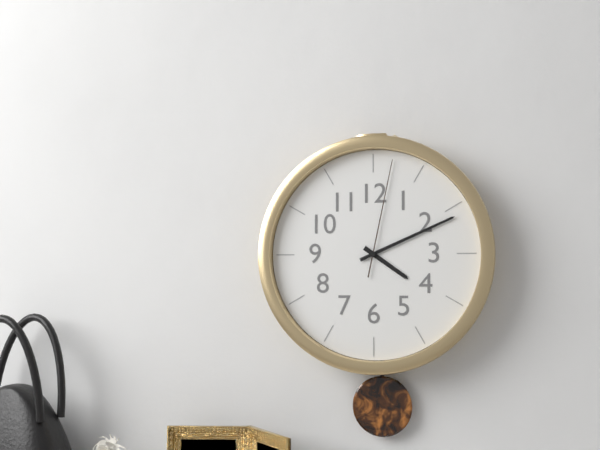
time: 4:11:02
